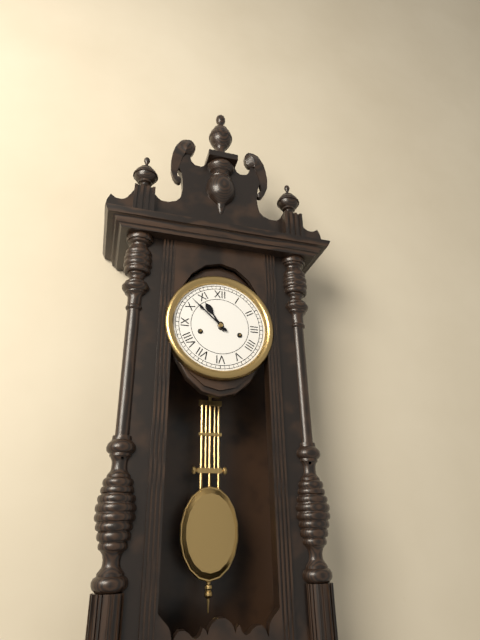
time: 10:52
